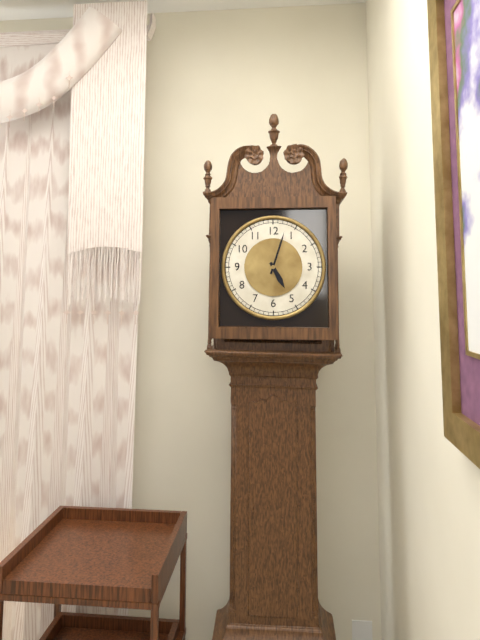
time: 5:03
